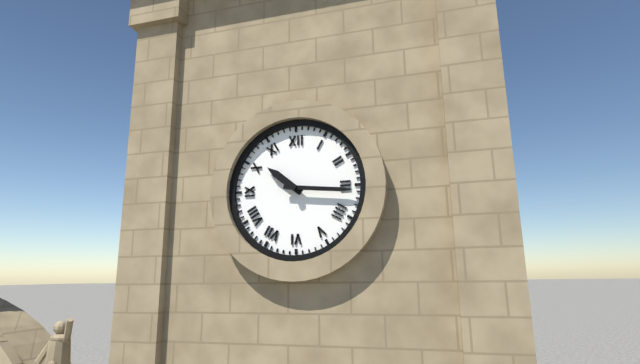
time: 10:16
